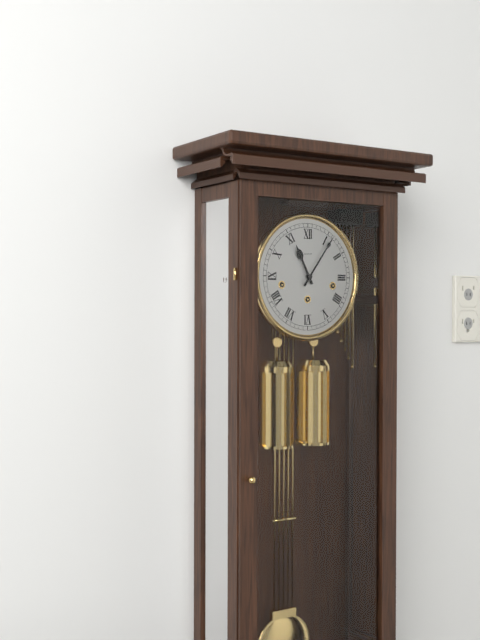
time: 11:06
